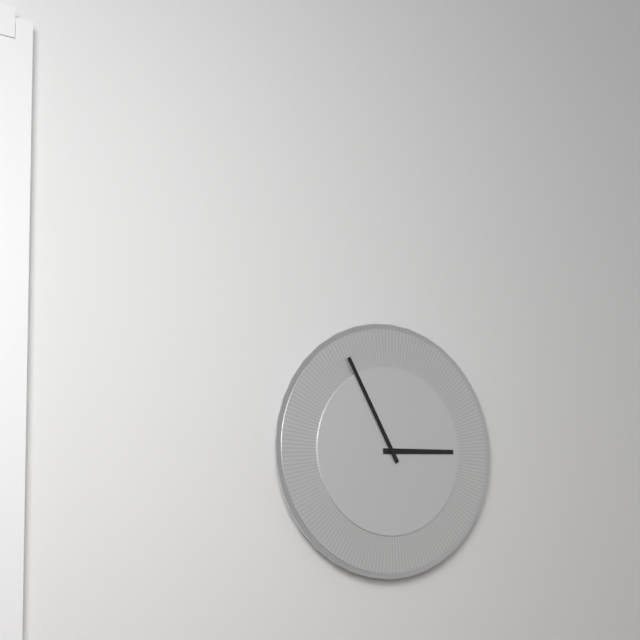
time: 2:55
